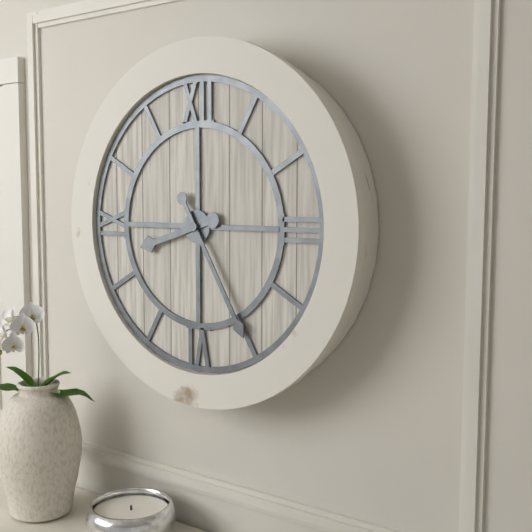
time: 8:25
